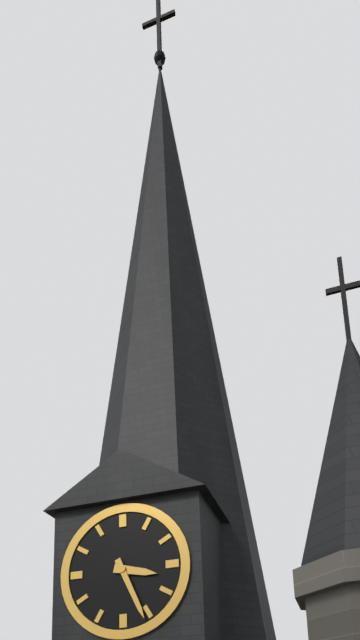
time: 3:26
